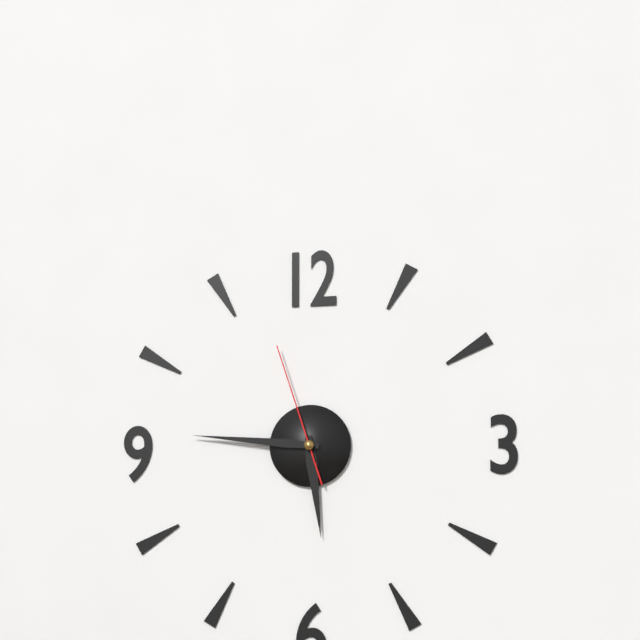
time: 5:46:57
